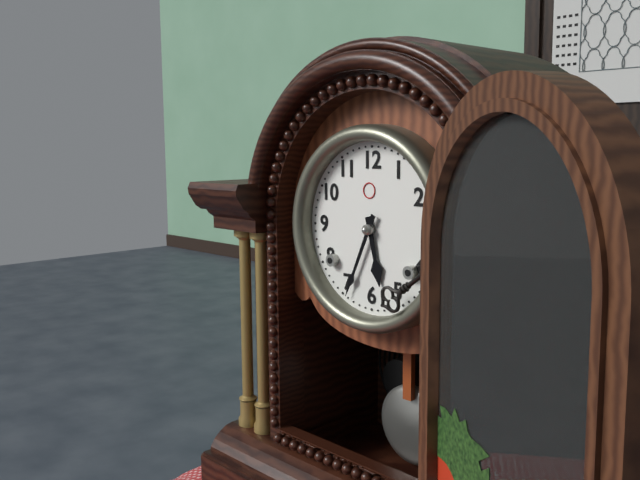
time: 5:34
